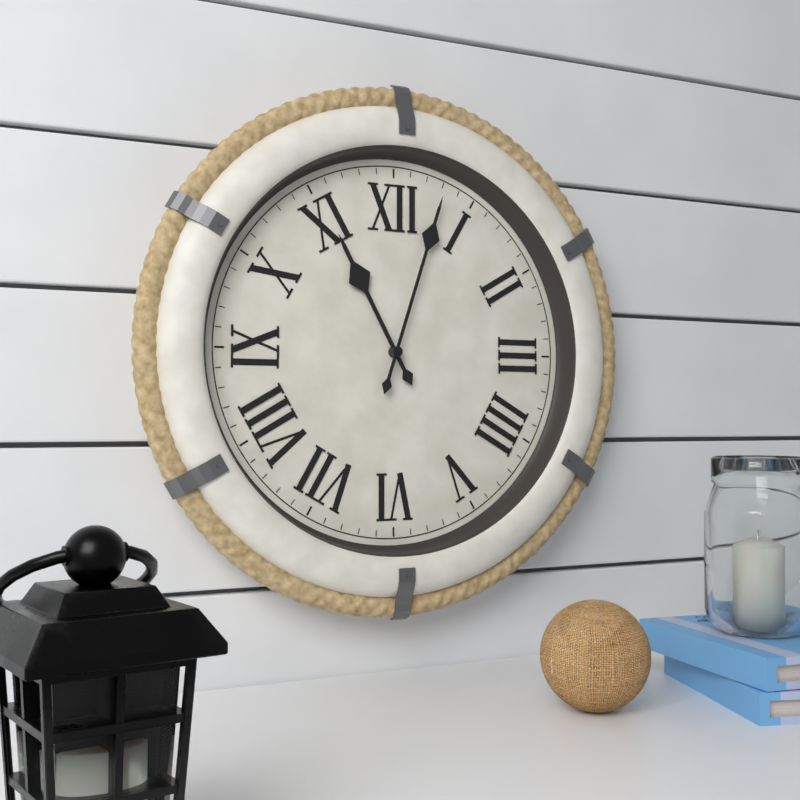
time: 11:03
